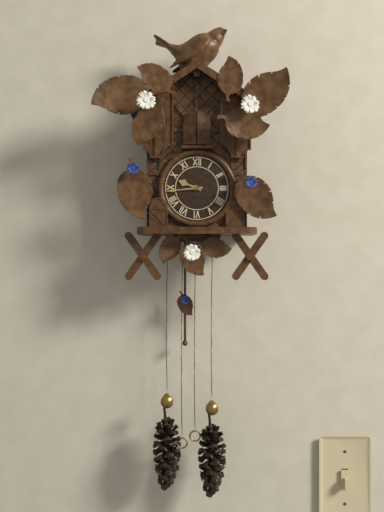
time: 9:44
